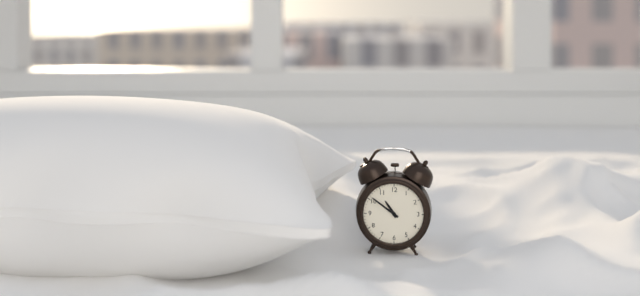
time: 10:51
